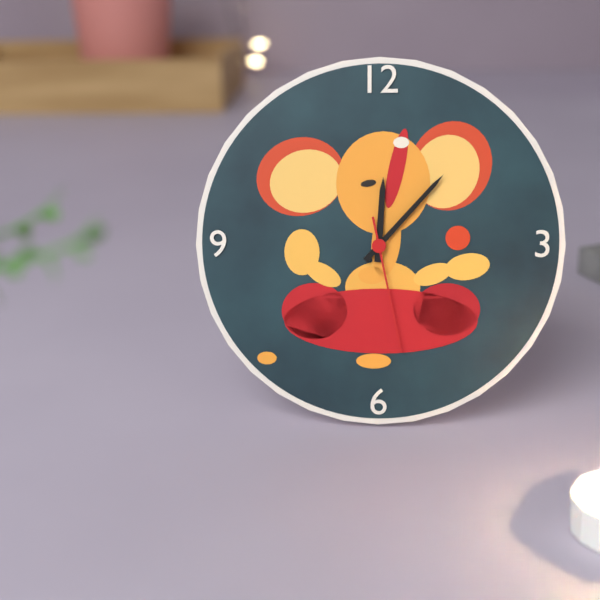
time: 12:07:28
